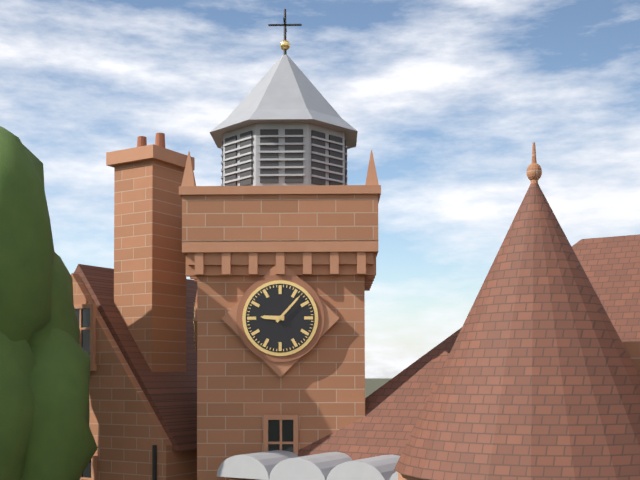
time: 9:07
